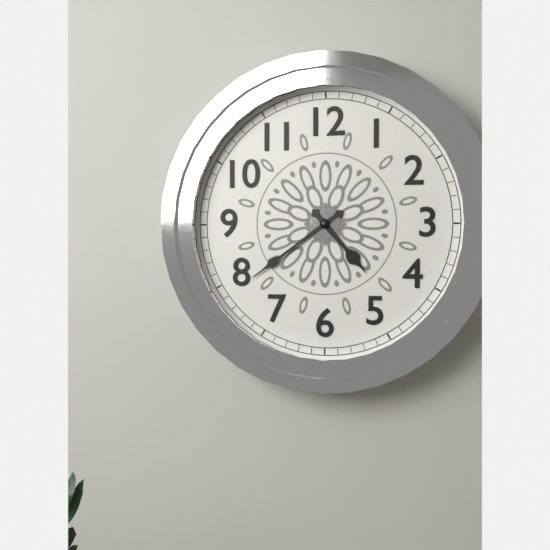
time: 4:39
